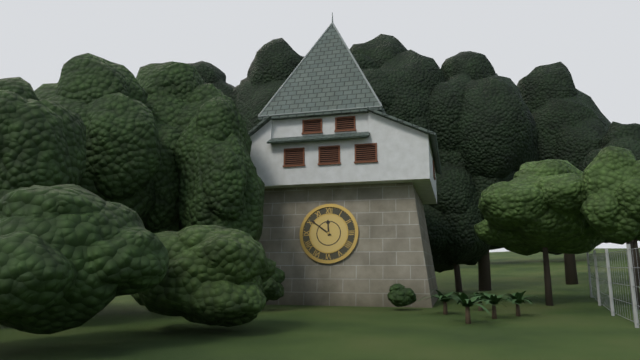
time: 11:51
